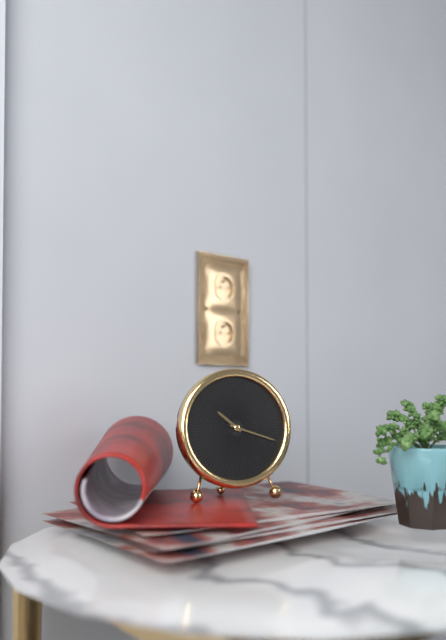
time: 10:18
